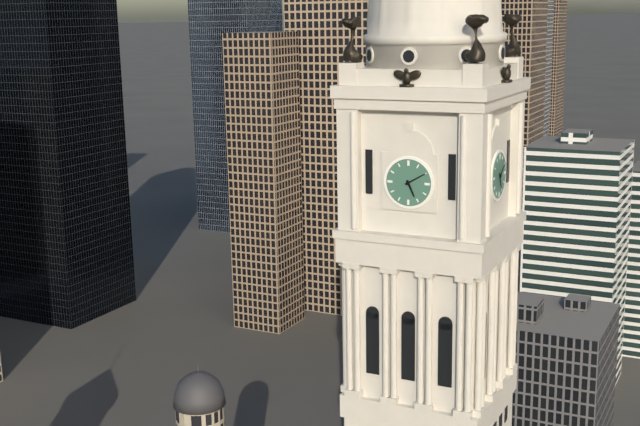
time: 5:10
